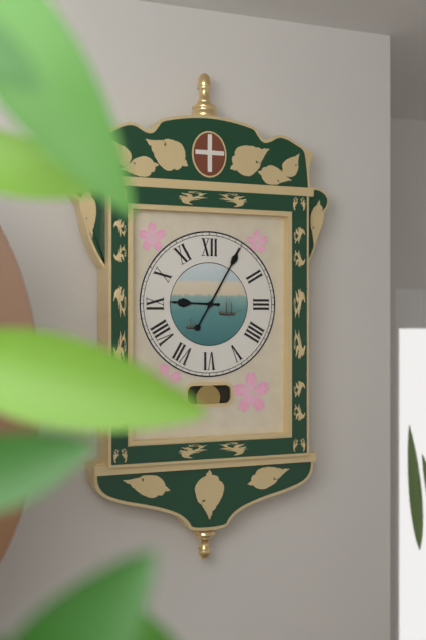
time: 9:05
